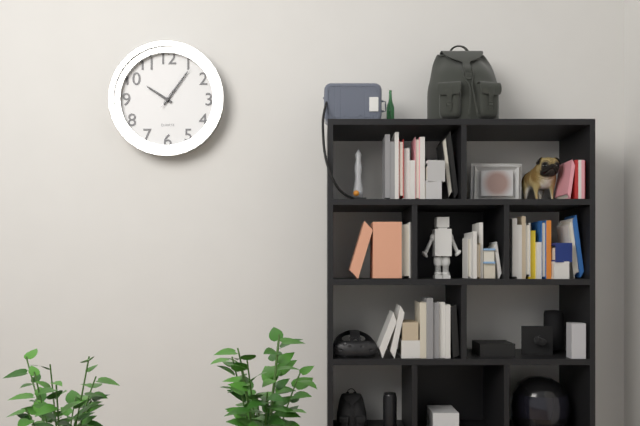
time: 10:06
